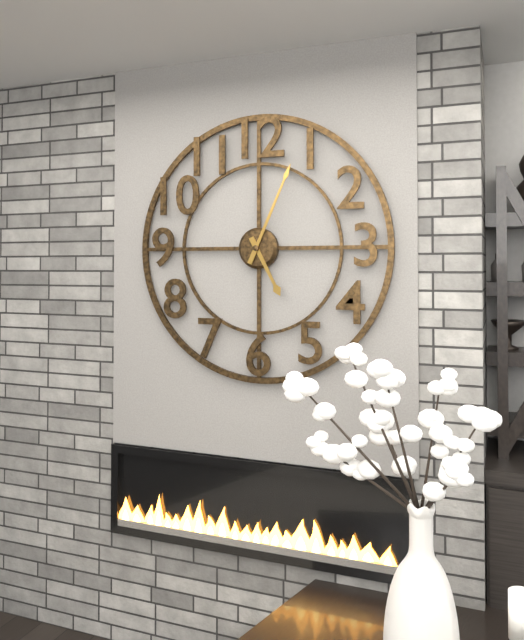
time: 5:04
